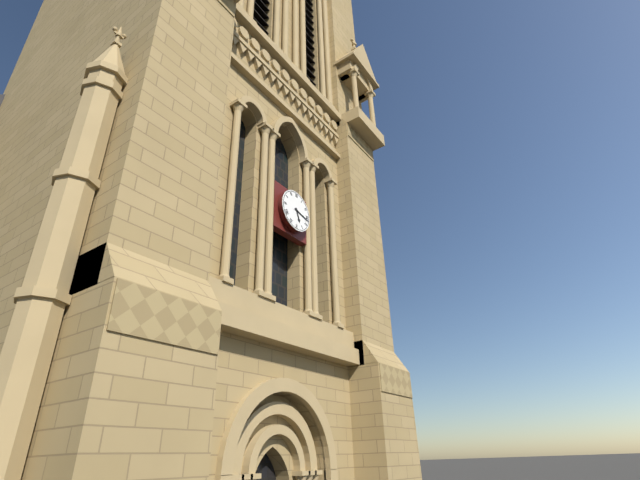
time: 5:17
